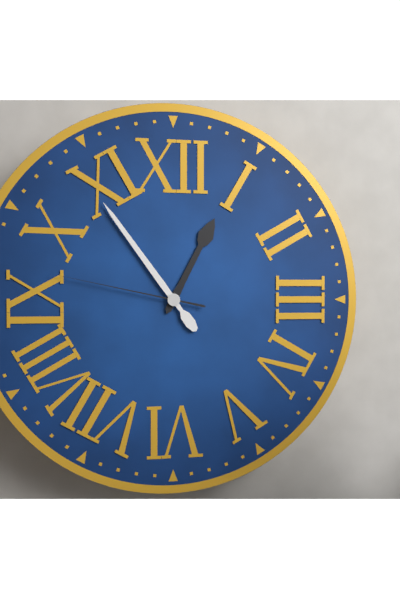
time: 12:54:47
